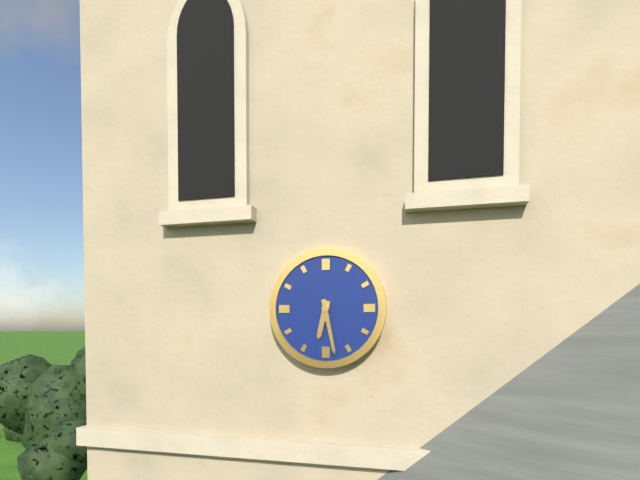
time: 6:28
